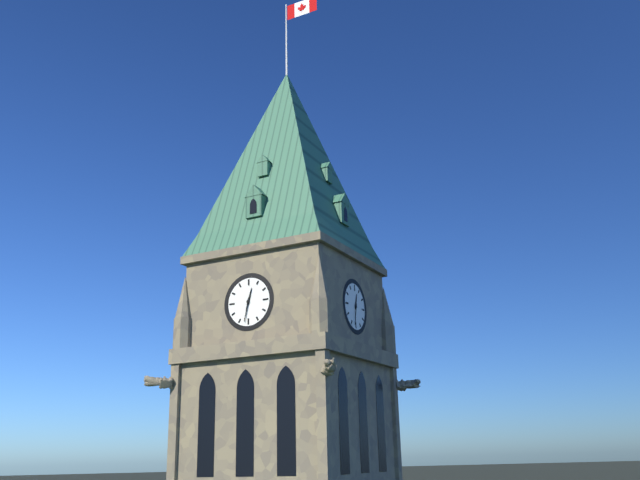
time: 12:32
